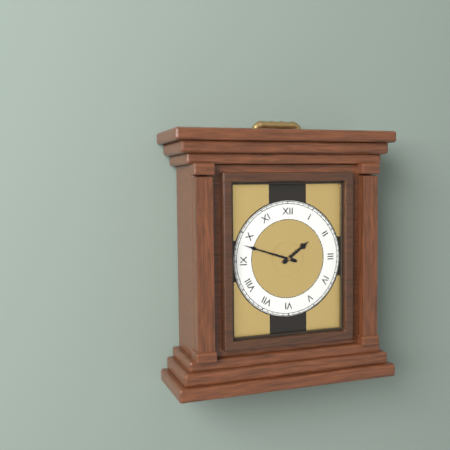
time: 1:48
